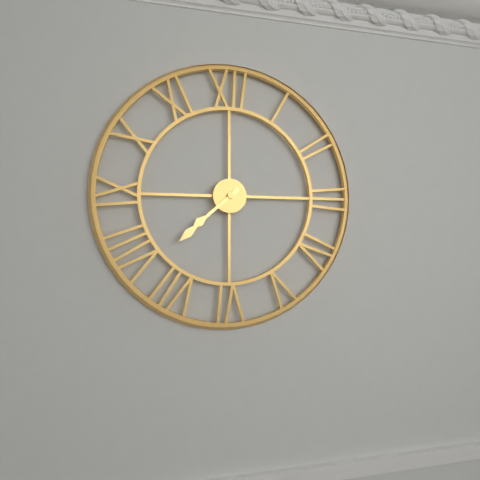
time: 7:38
